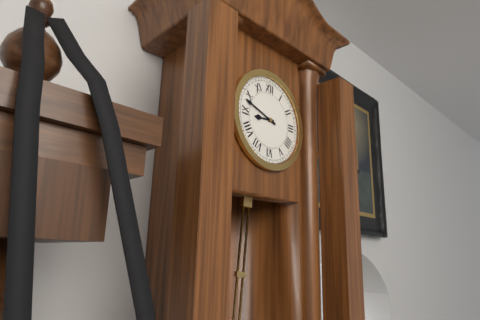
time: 8:48
